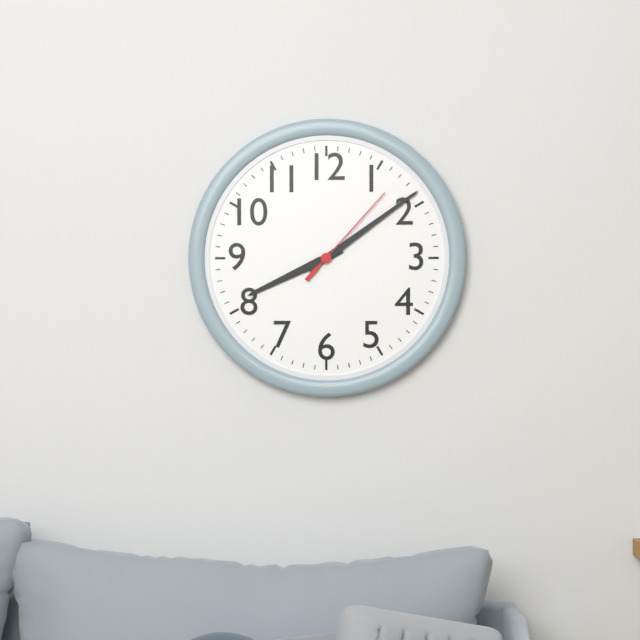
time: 8:09:07
